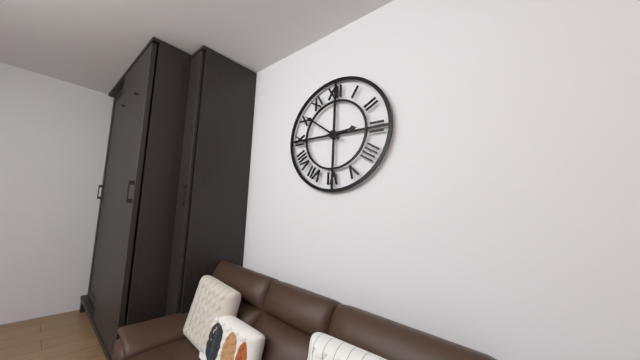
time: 2:51
